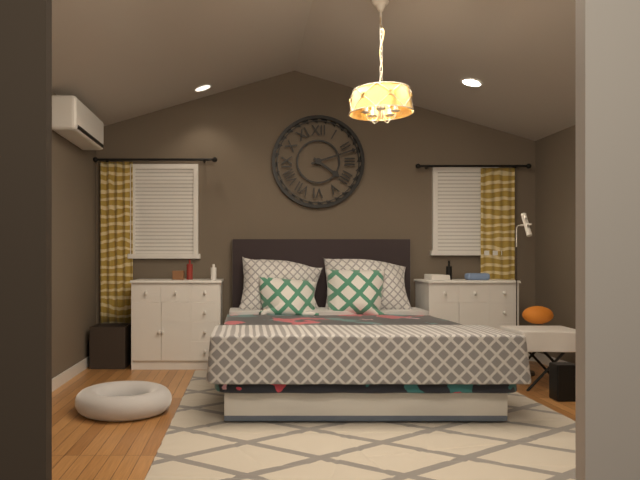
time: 4:12
